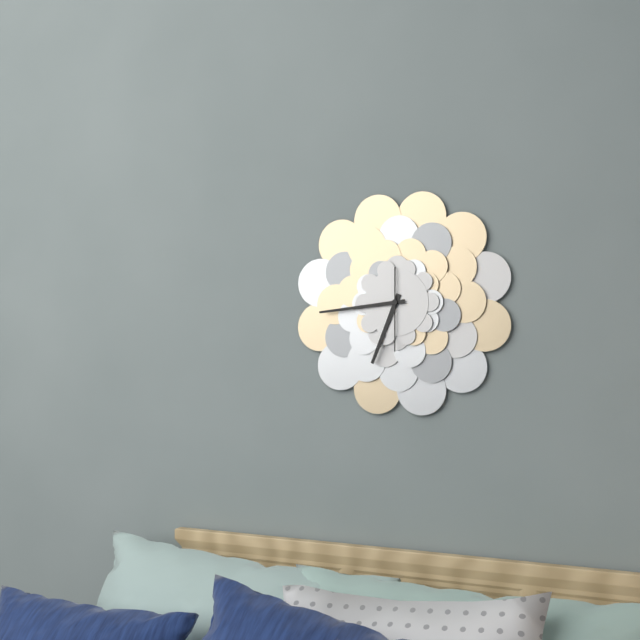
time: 6:44:30
